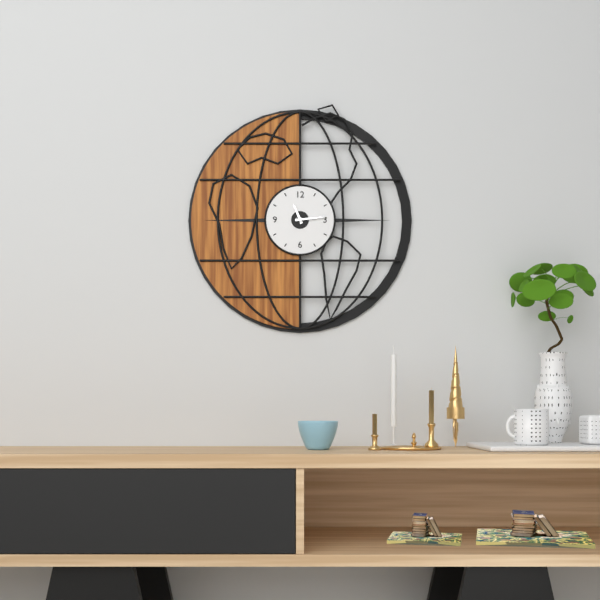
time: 11:14
